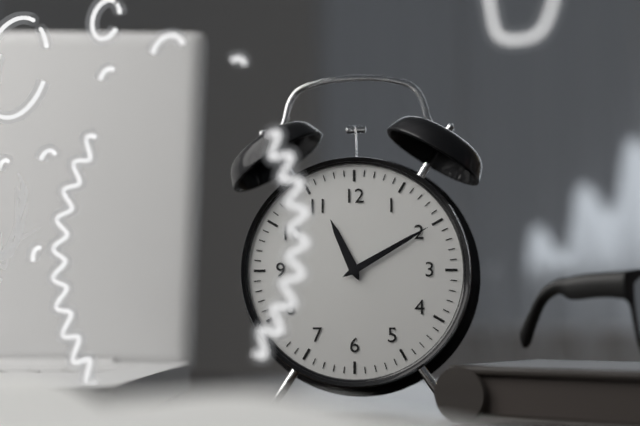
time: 11:10
